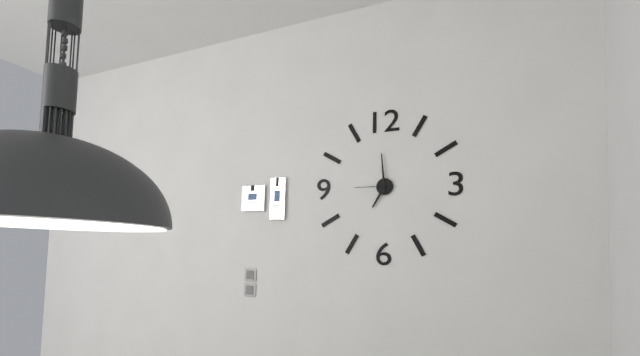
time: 6:59
